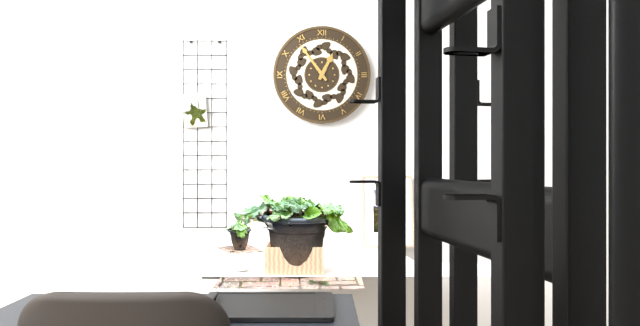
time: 12:54
